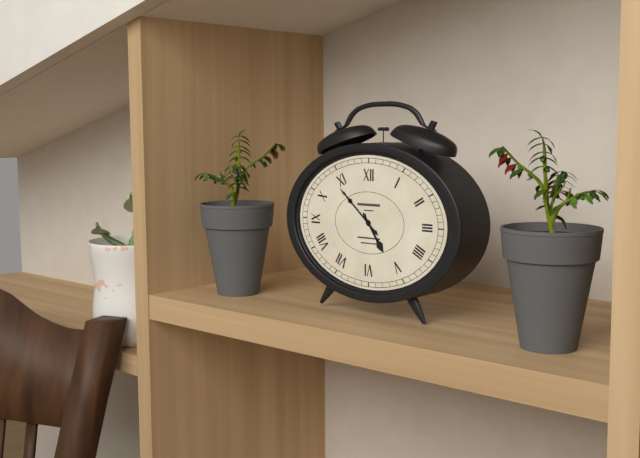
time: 4:52
